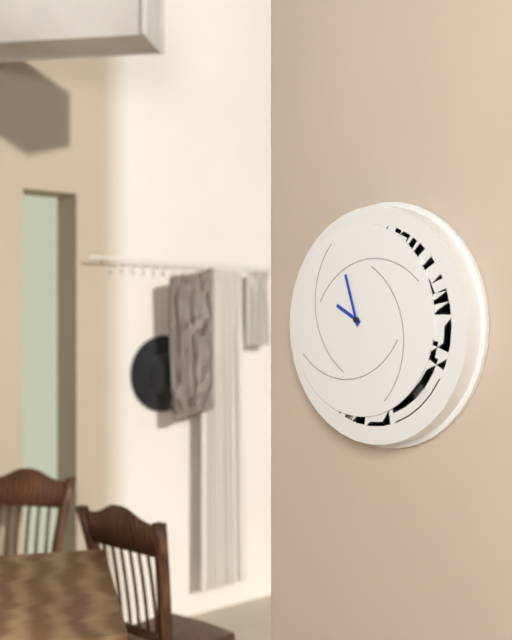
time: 9:57
